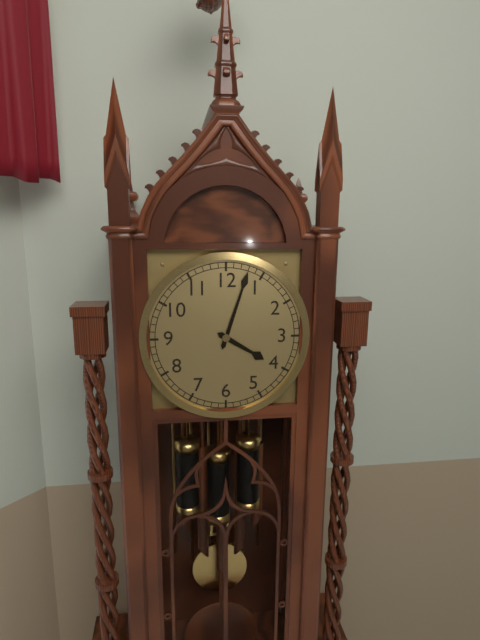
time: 4:03
